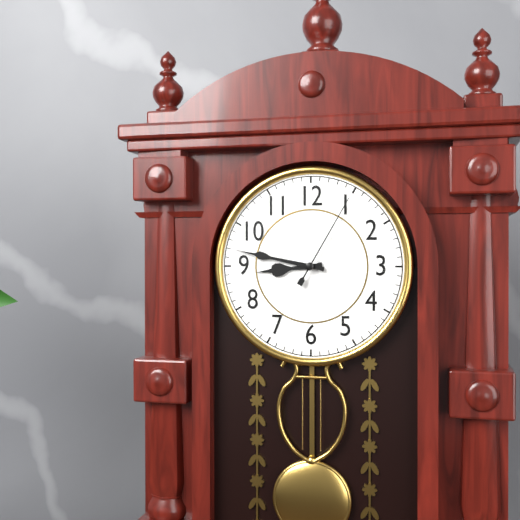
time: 8:47:05
